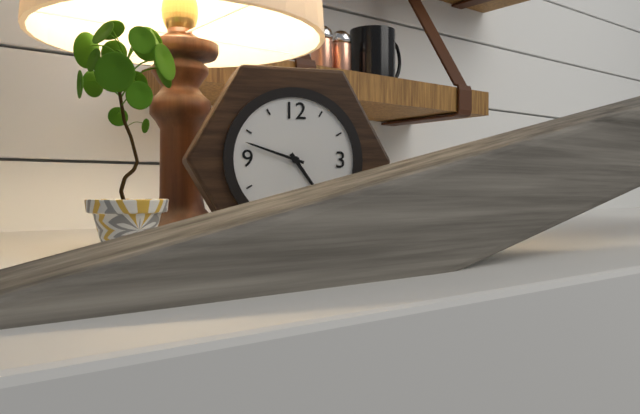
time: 4:48
